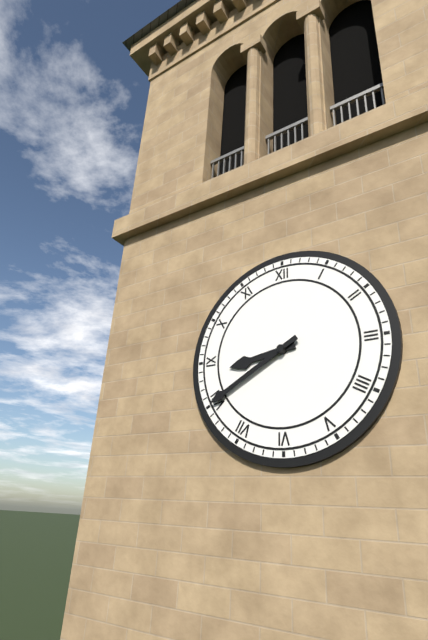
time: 8:40
